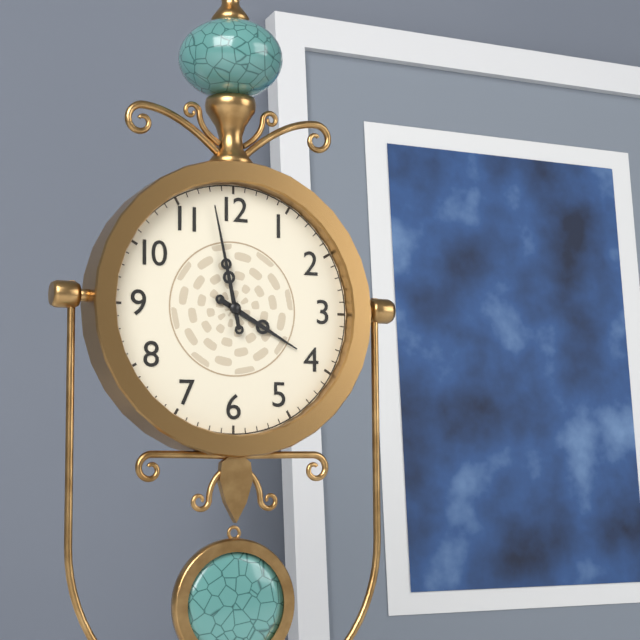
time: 3:58
